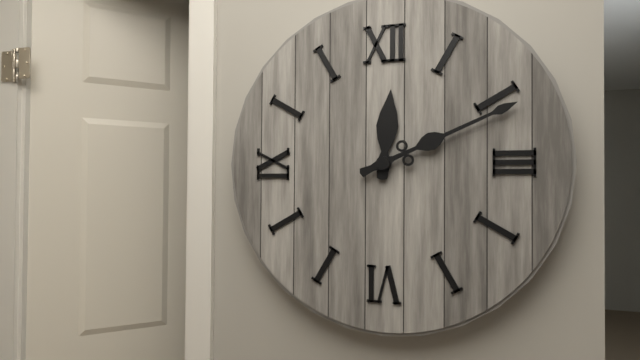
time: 12:11
